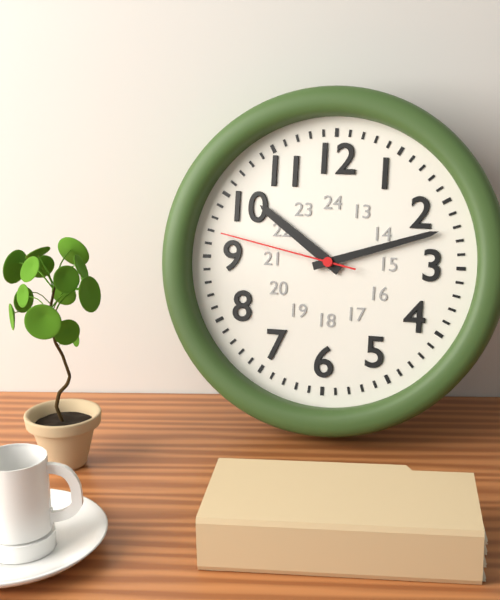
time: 10:12:47
